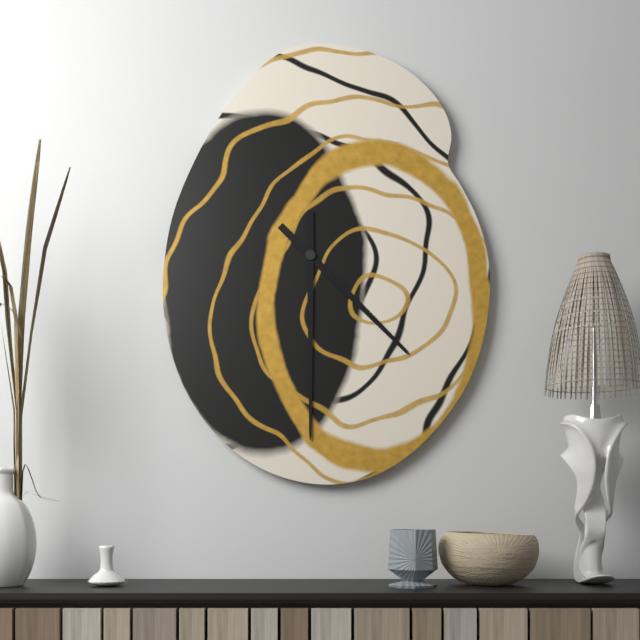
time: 4:30
